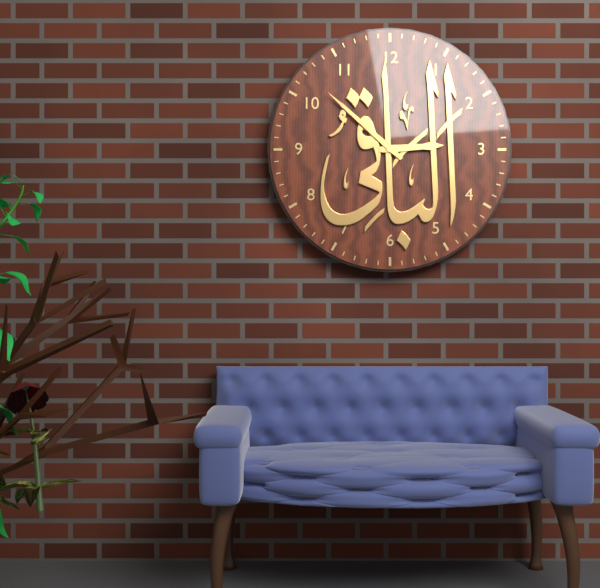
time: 2:52
